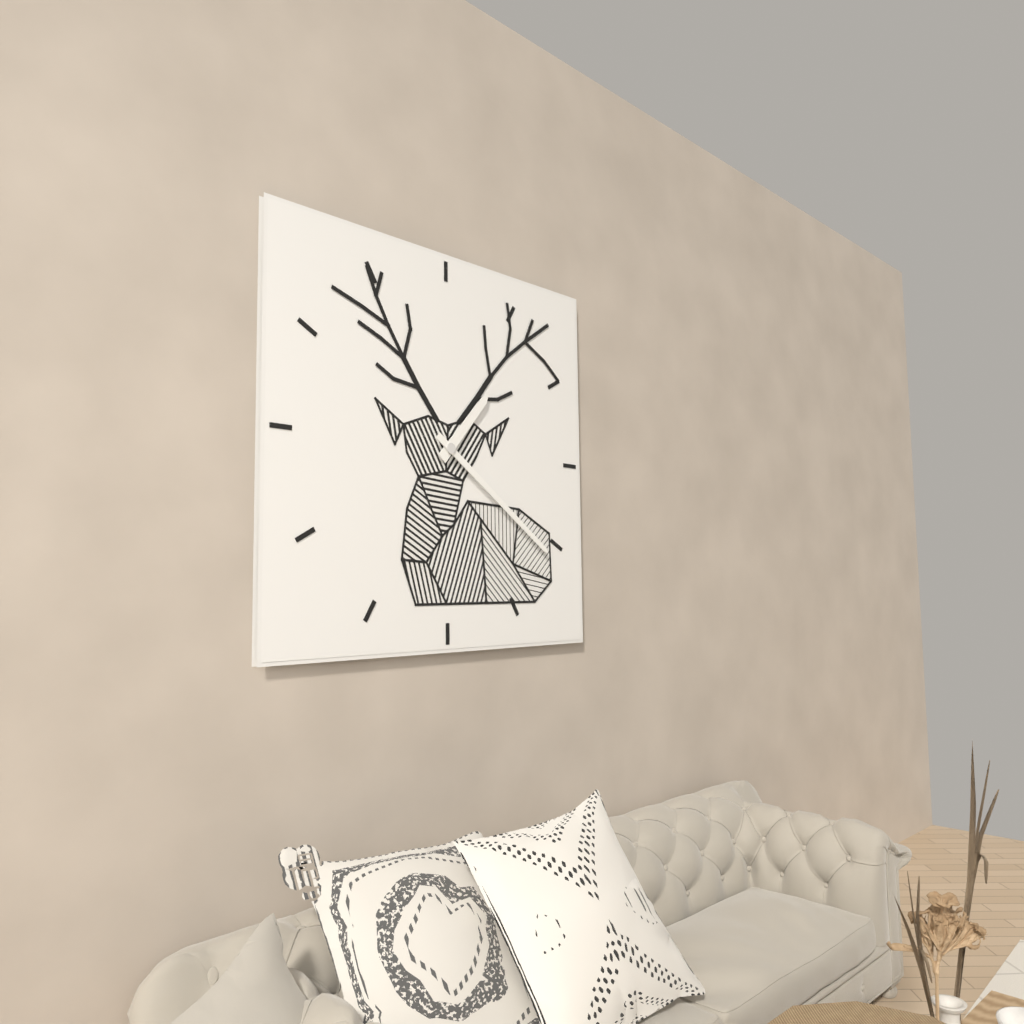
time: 1:21
